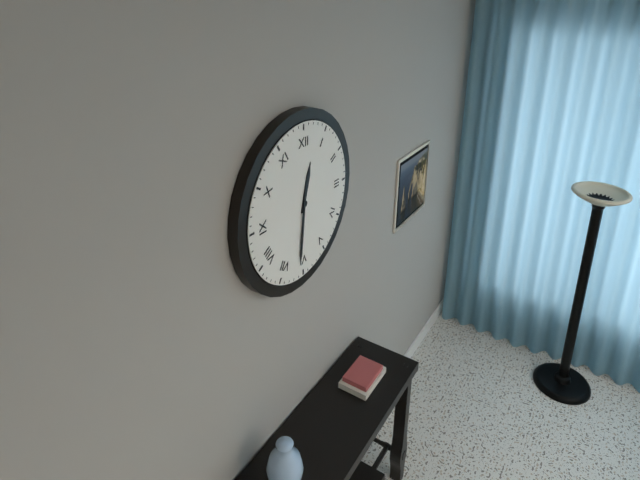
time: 12:31
